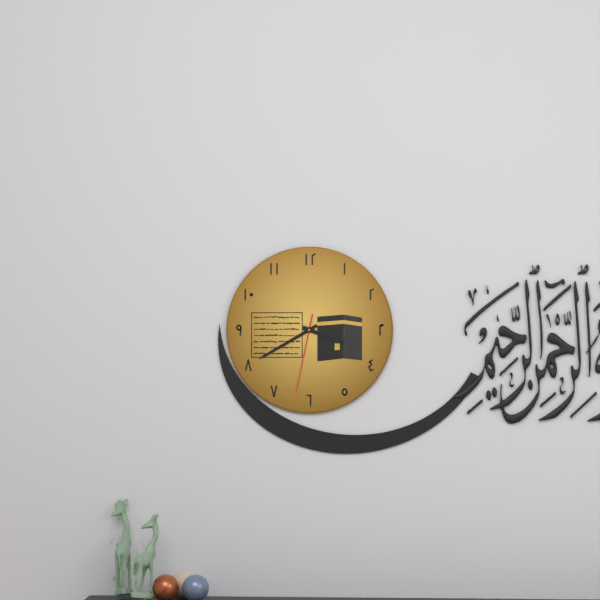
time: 3:40:32
